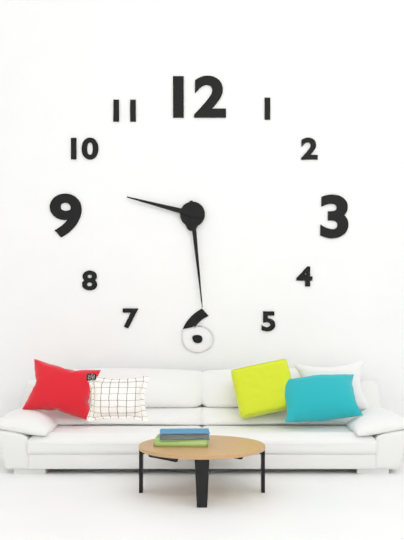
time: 9:29
